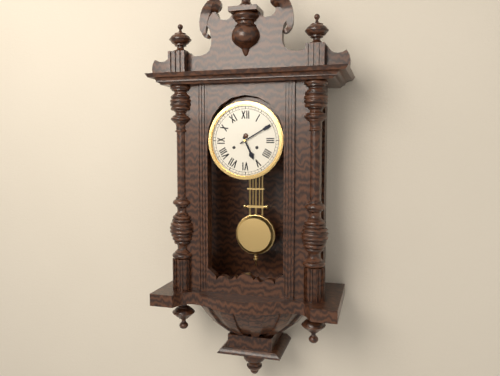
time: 5:10
